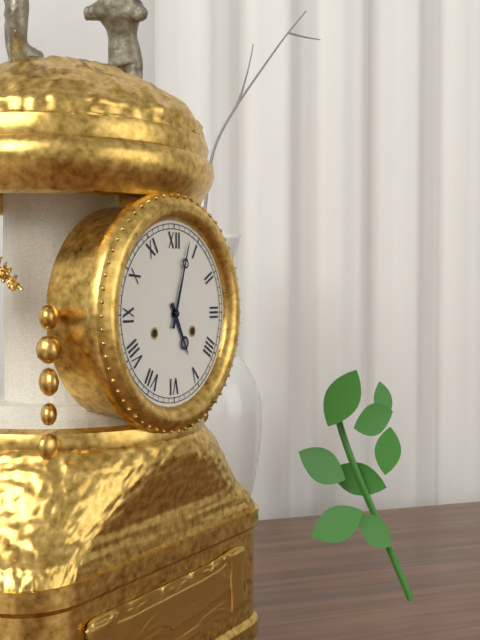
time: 5:03
